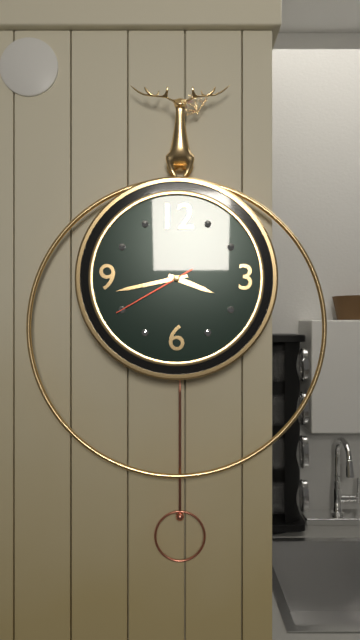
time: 3:43:40
